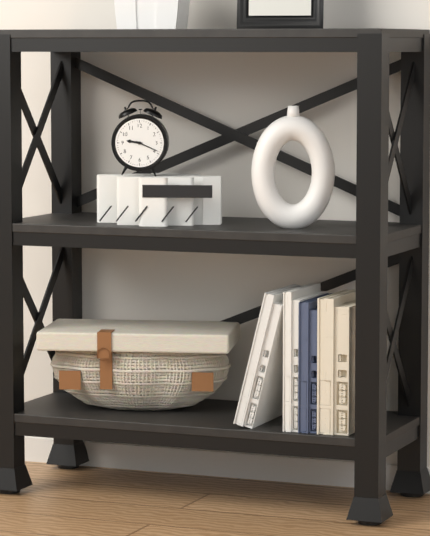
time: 9:19
